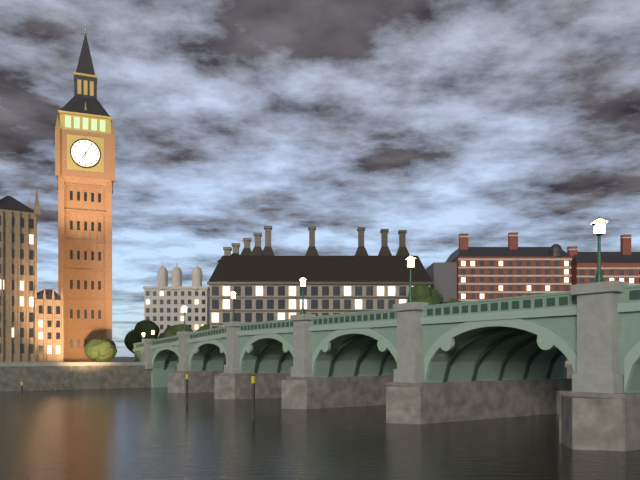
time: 7:05
